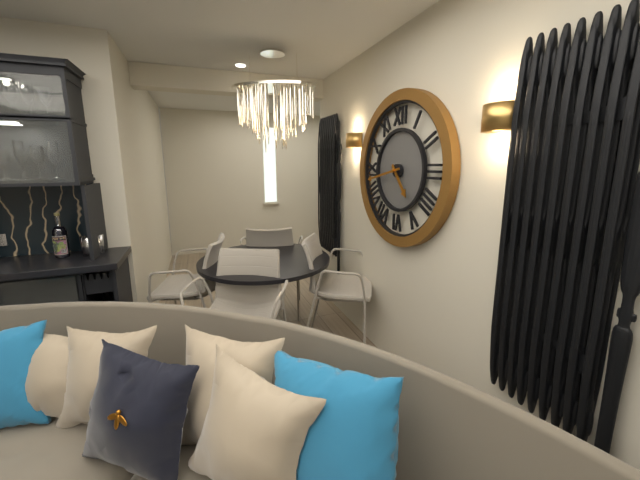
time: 4:43
